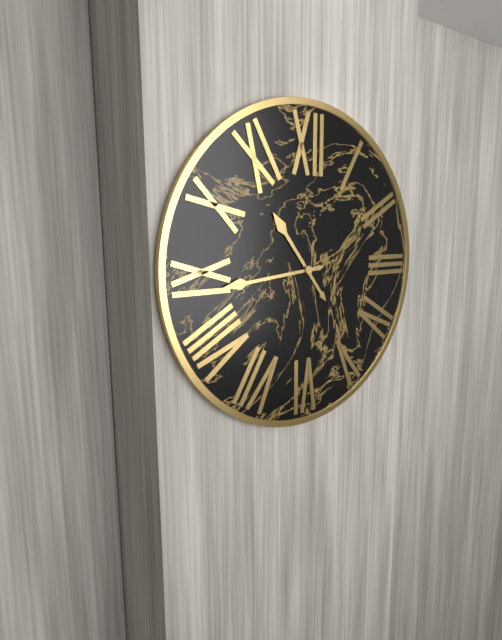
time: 10:44
